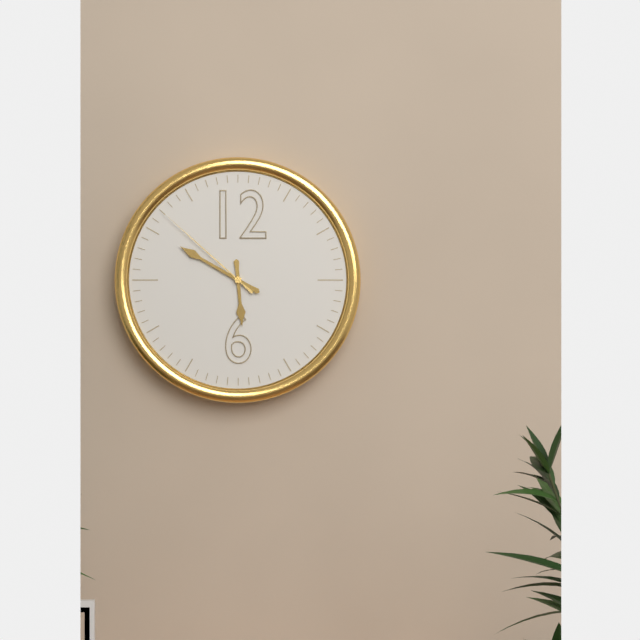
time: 5:50:52
